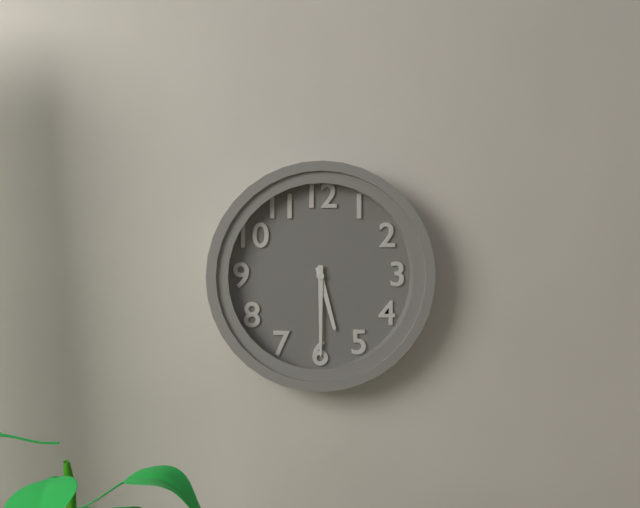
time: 5:30
